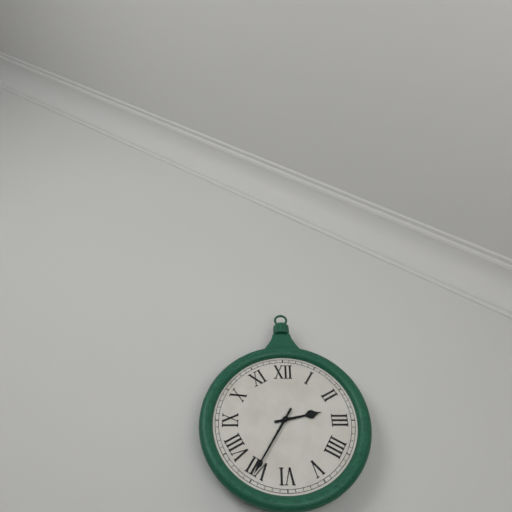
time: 2:35
